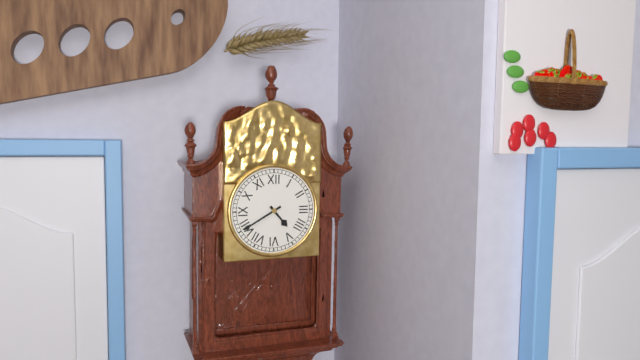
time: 4:40
